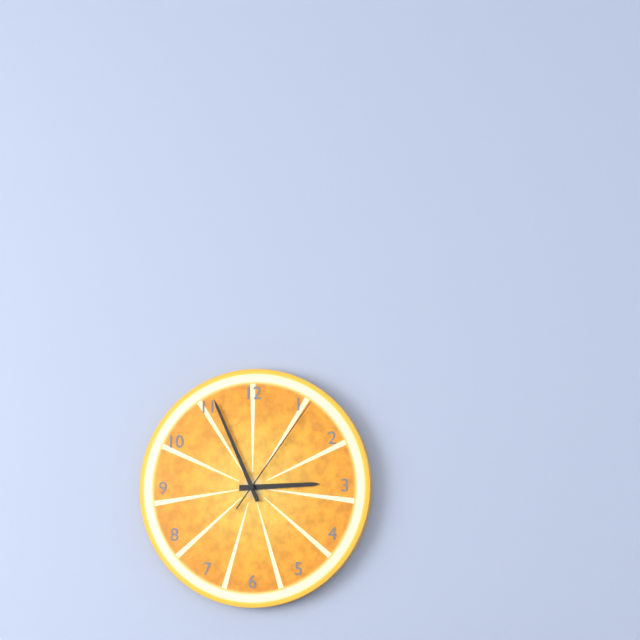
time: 2:56:06
